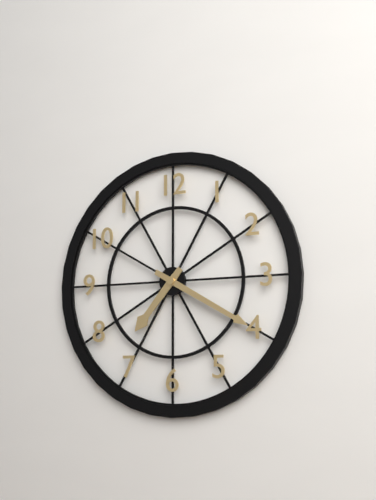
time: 7:20
